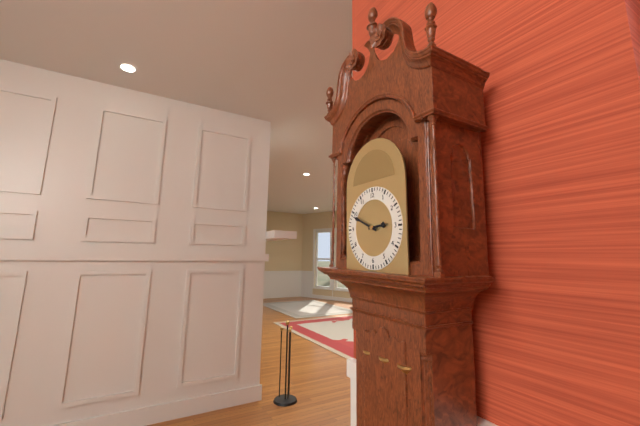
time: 2:49
